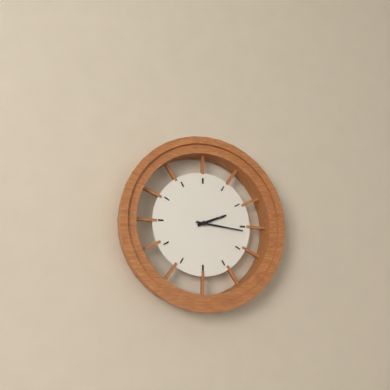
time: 2:16
